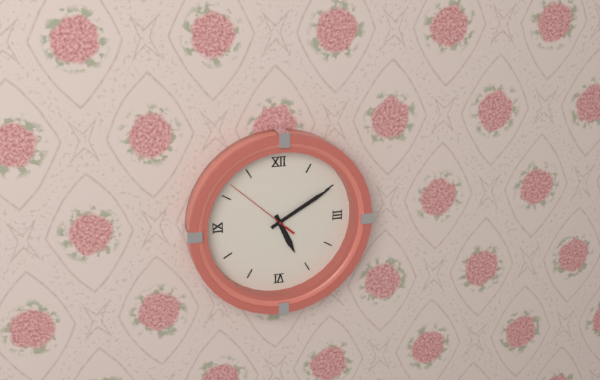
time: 5:10:52
